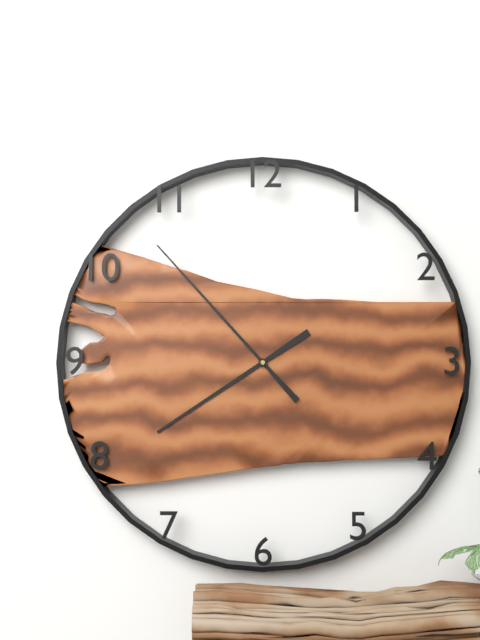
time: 7:53
